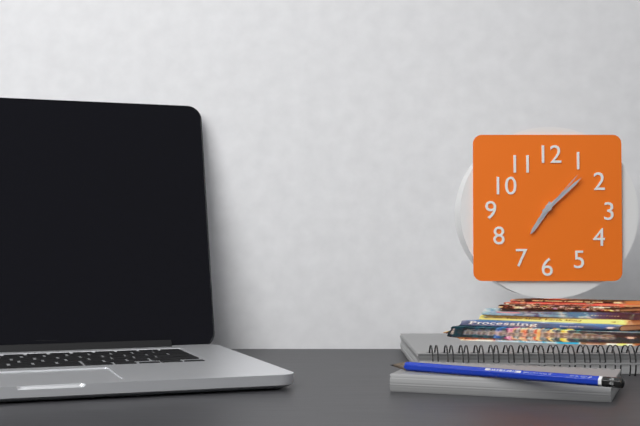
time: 7:08:07
